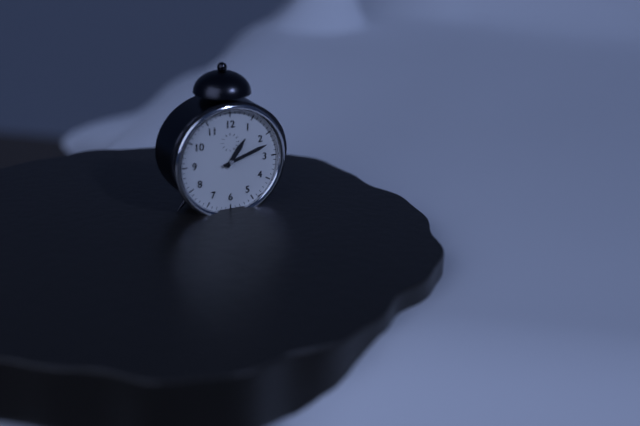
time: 1:12
